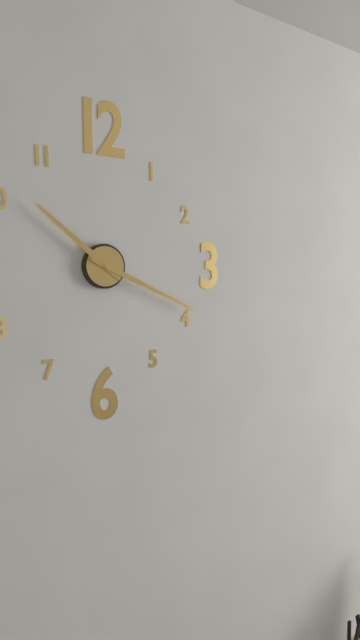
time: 10:19
